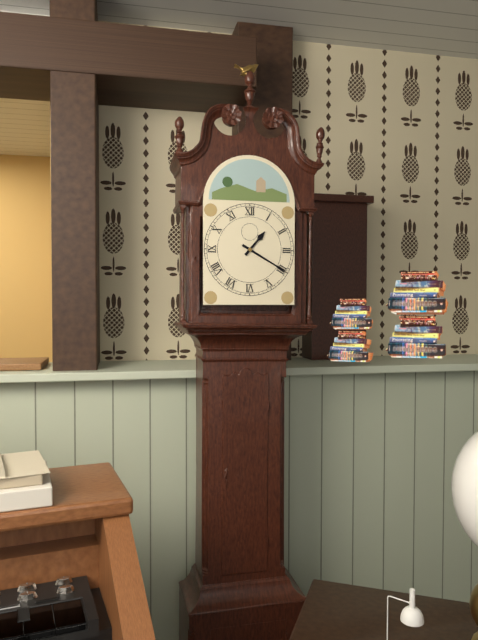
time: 1:20
